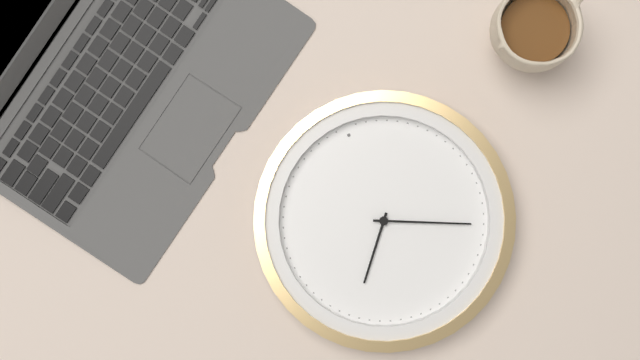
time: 7:19
